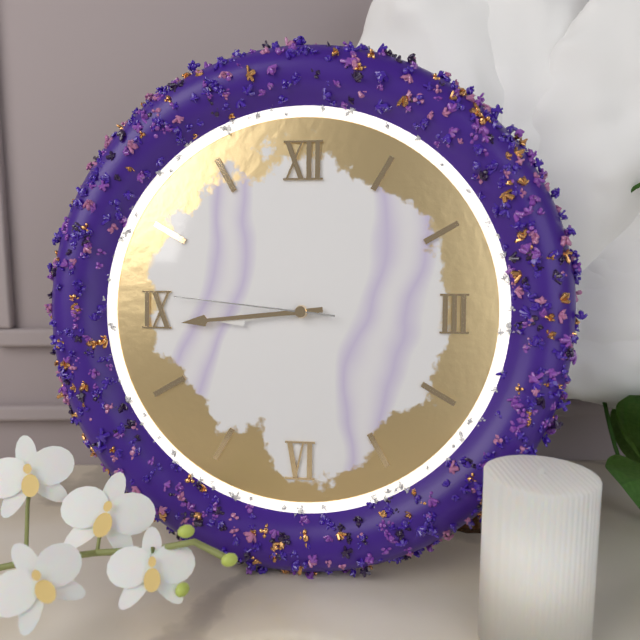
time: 8:44:46
